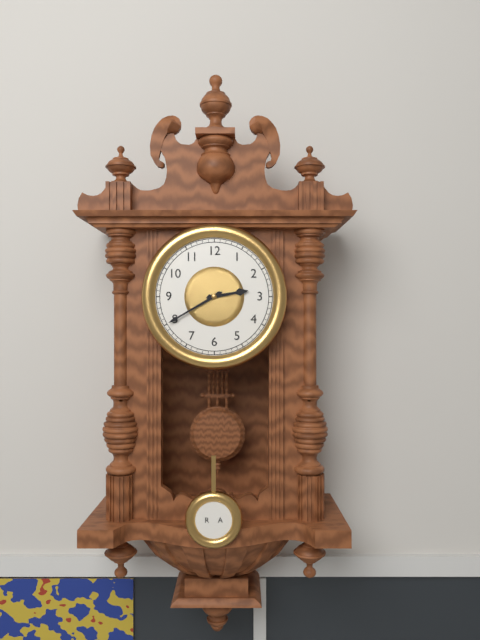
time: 2:40
